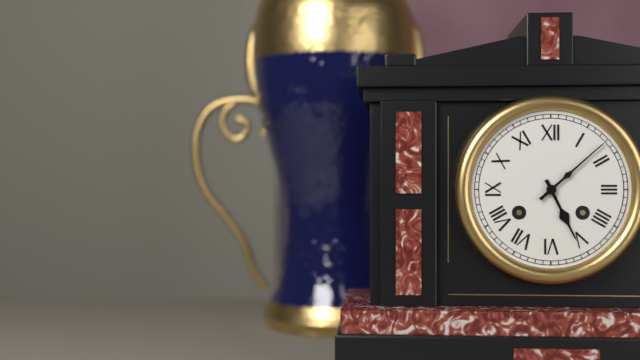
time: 5:08
